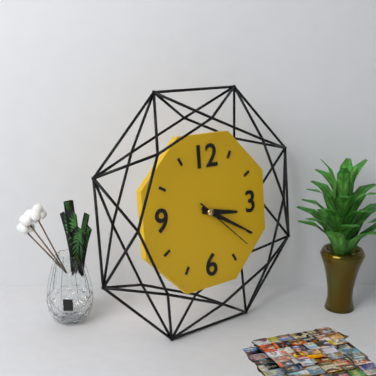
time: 3:20:22
